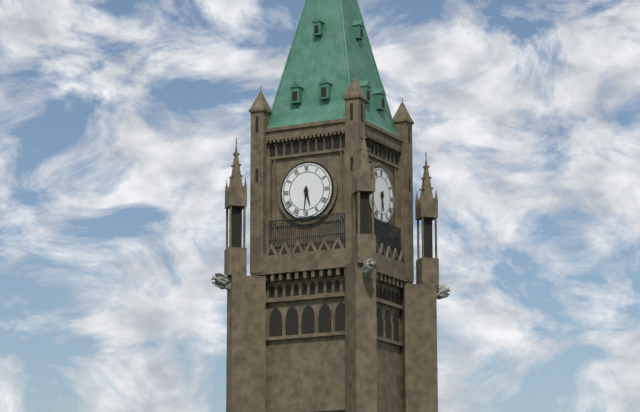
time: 5:31
